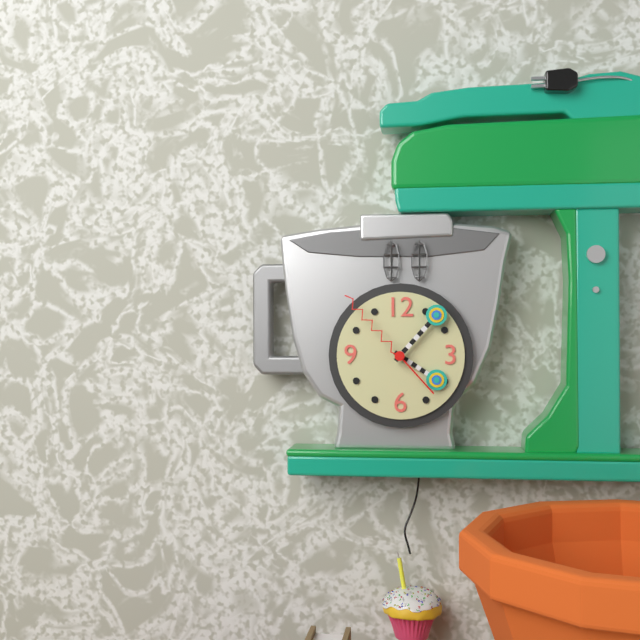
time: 4:07:53
